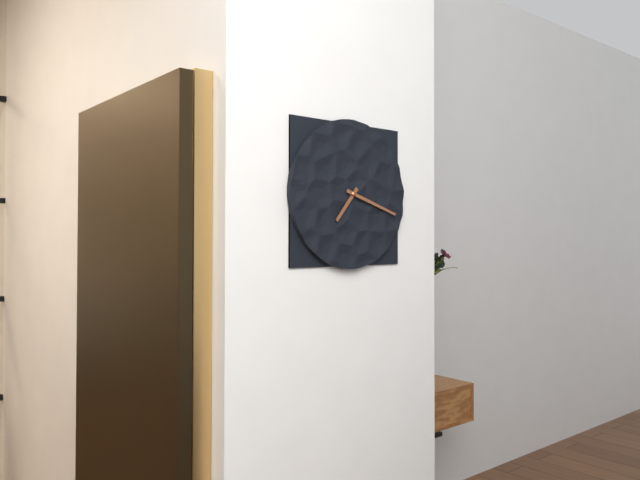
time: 7:18
